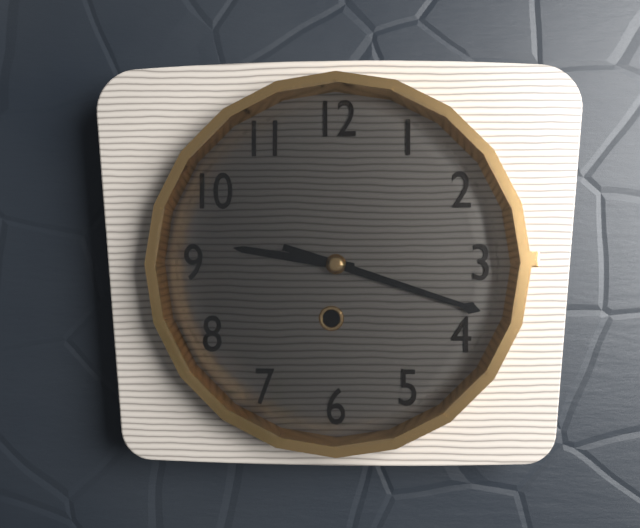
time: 9:18
